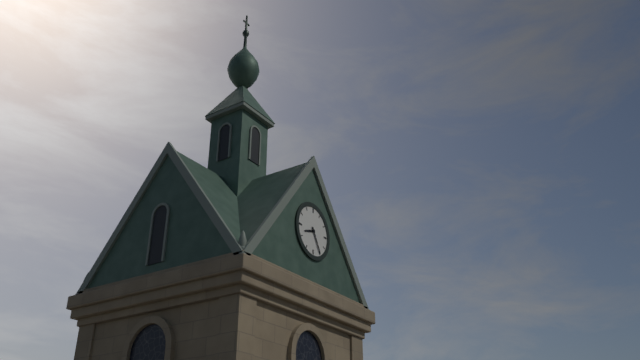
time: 8:25
